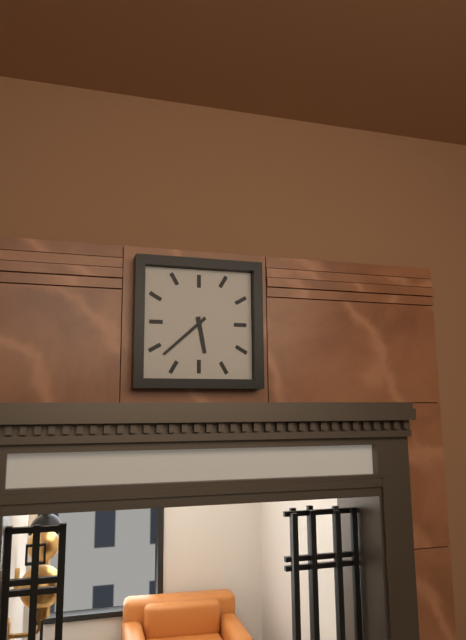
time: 5:38
